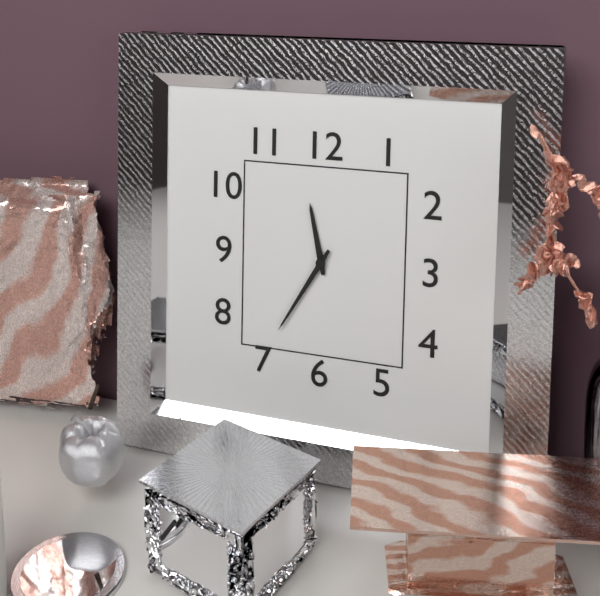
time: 11:35
